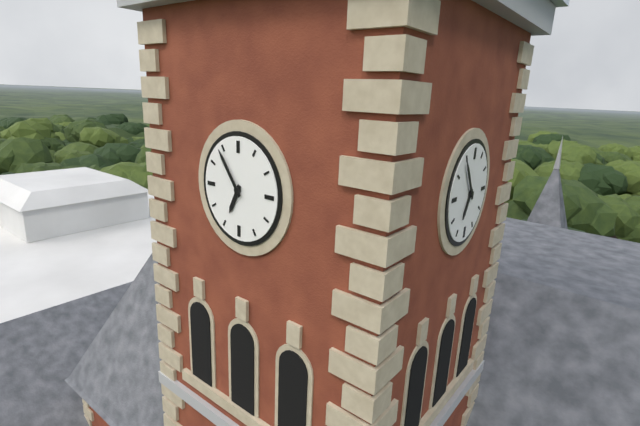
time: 6:54
